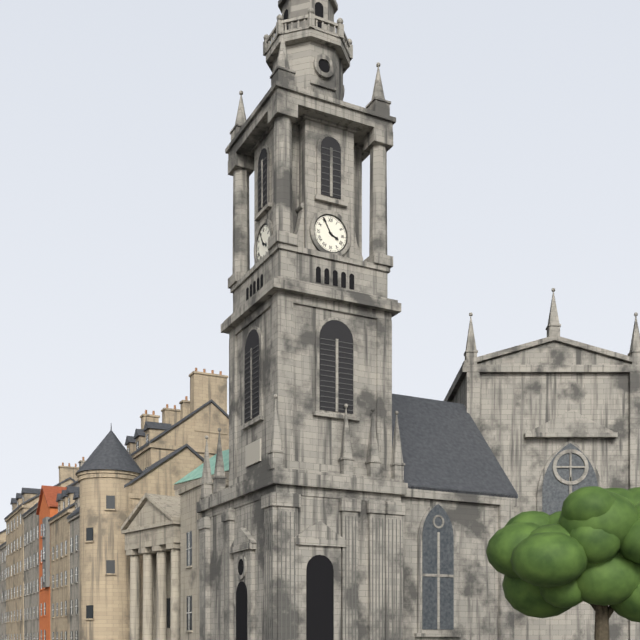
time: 3:55
